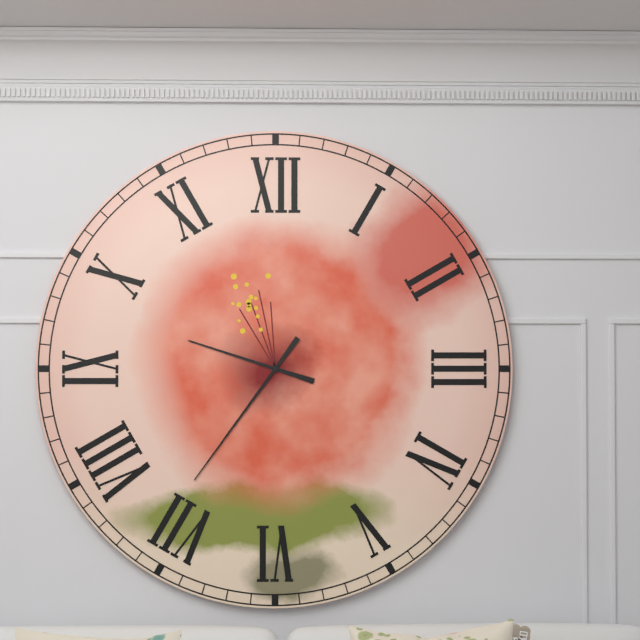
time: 9:36
